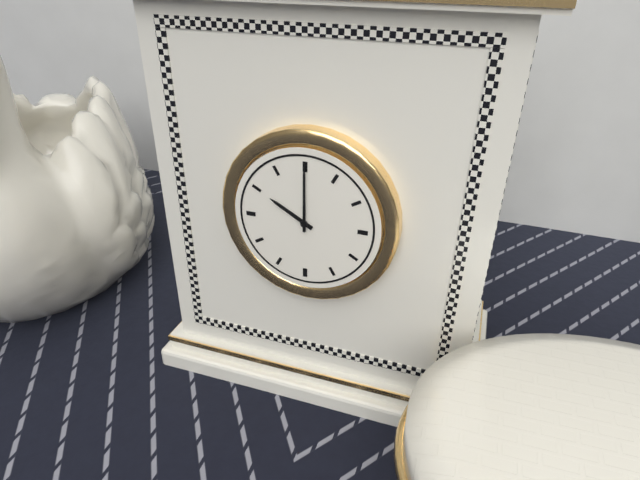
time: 10:00
